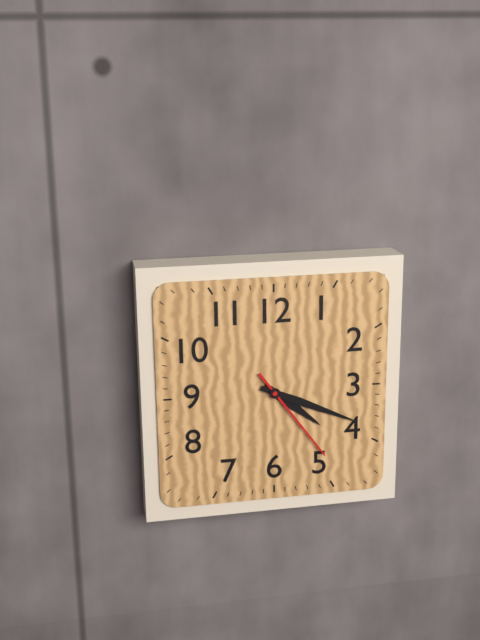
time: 4:19:24
